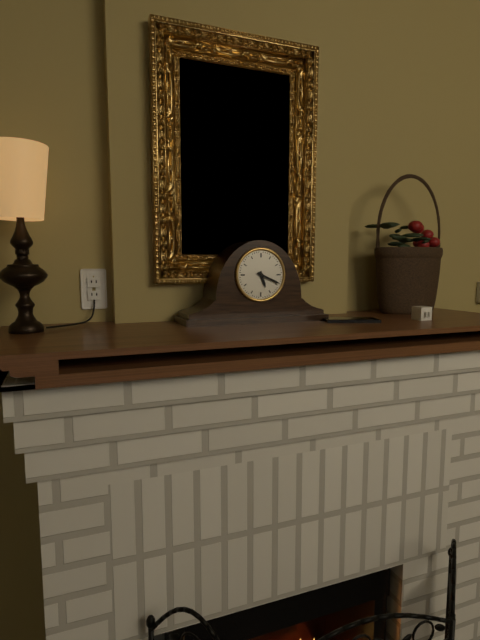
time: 5:19
